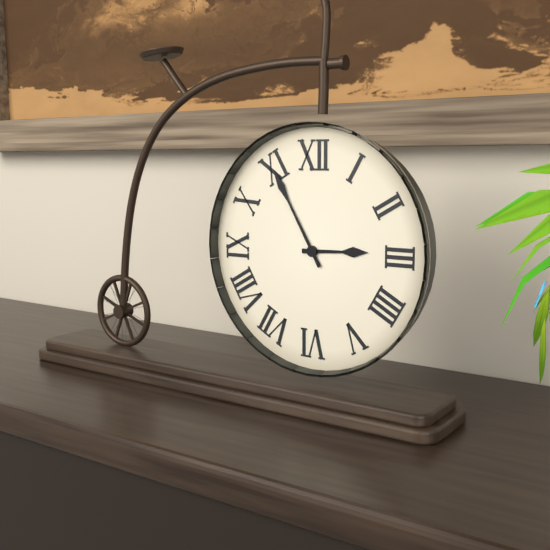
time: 2:55
